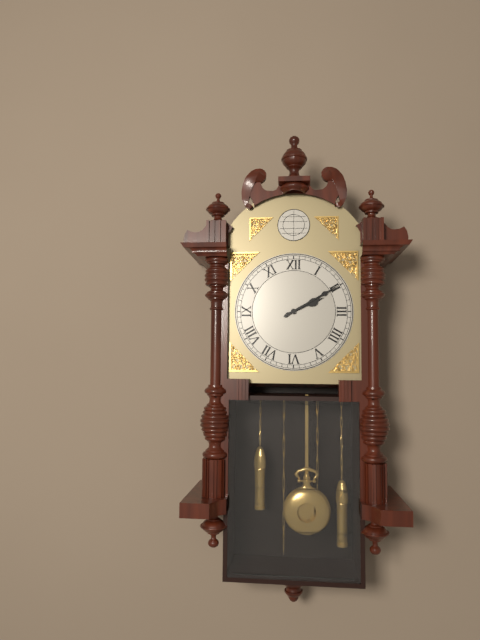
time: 2:10
